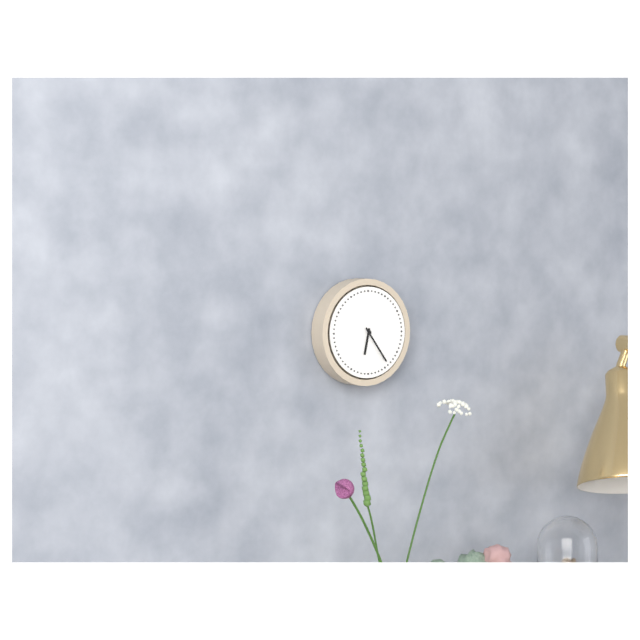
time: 6:24
